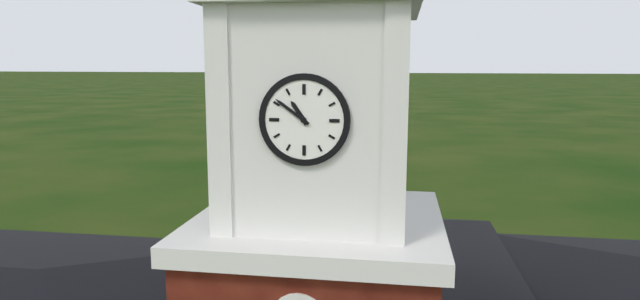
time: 10:51
